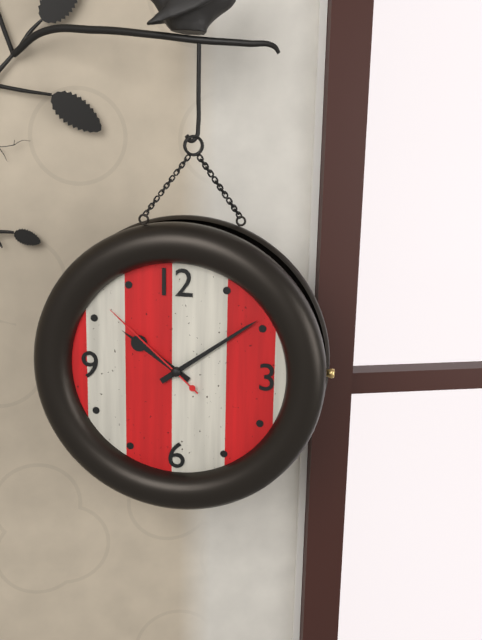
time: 10:09:52
